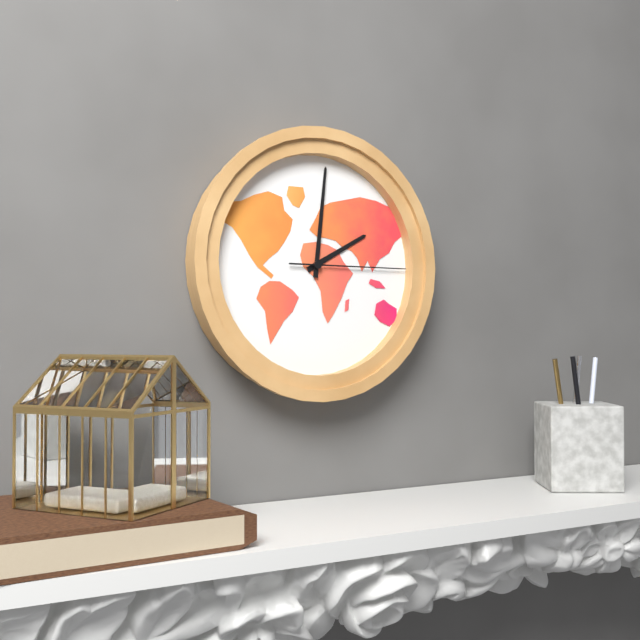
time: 2:01:15
